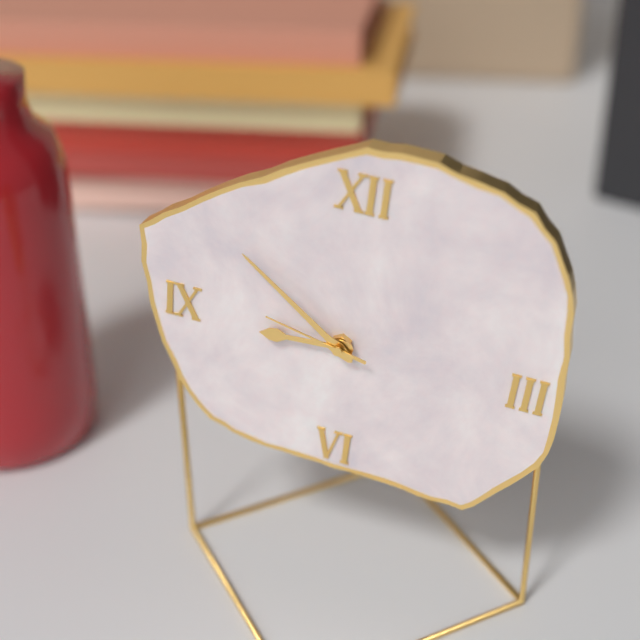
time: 8:51:47
